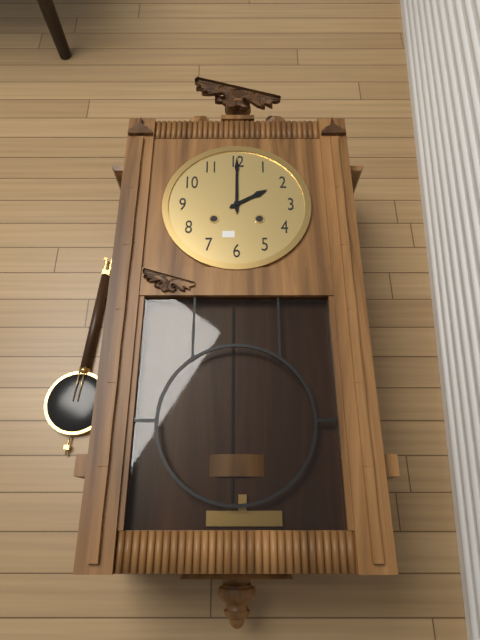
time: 2:00
